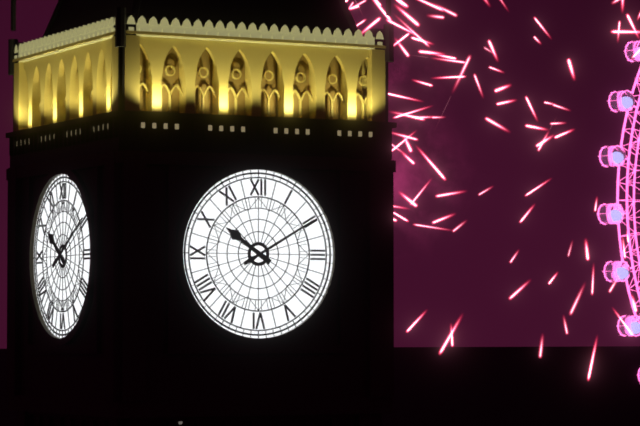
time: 10:10
